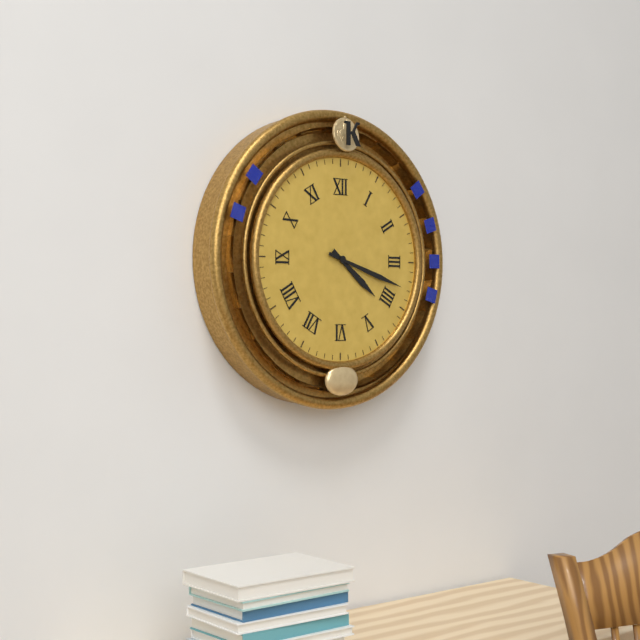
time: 4:18
